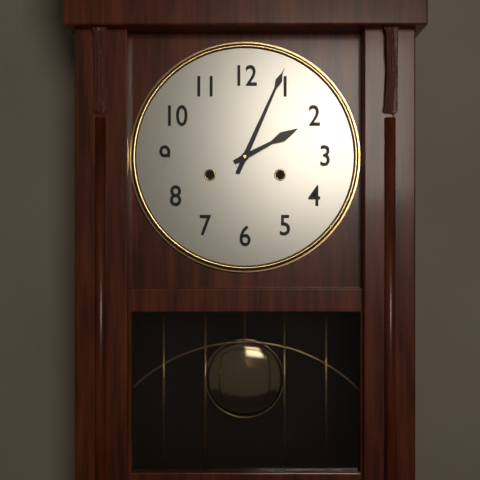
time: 2:04
